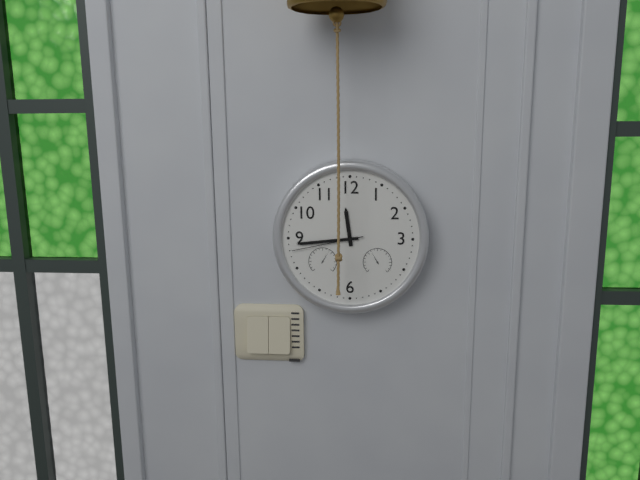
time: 11:44:43
